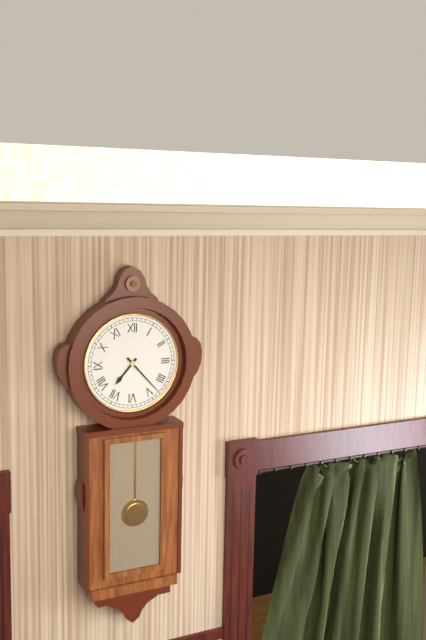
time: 7:23
